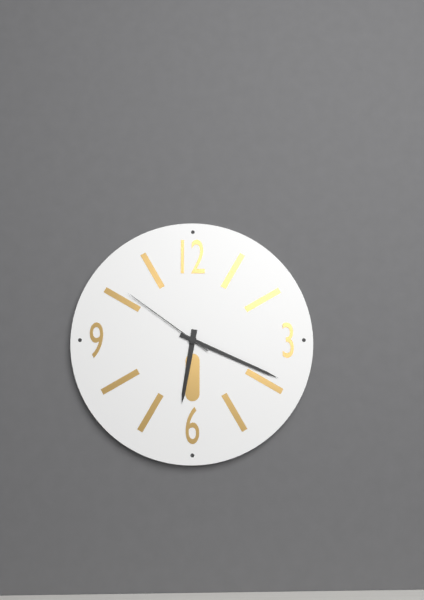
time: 6:19:51
